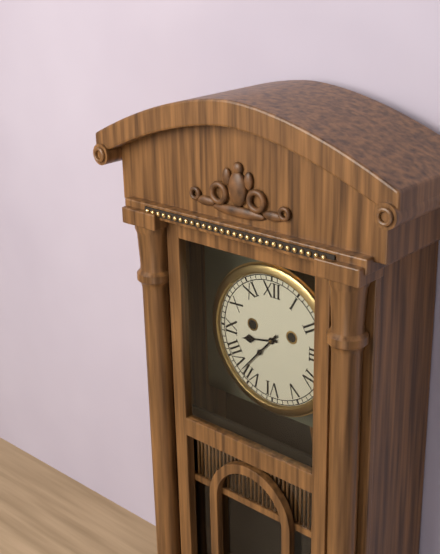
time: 8:37
